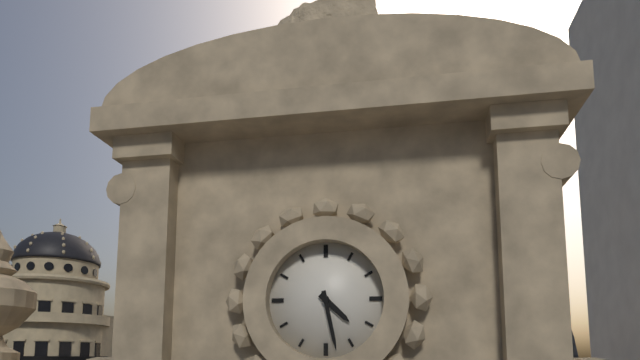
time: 4:28
